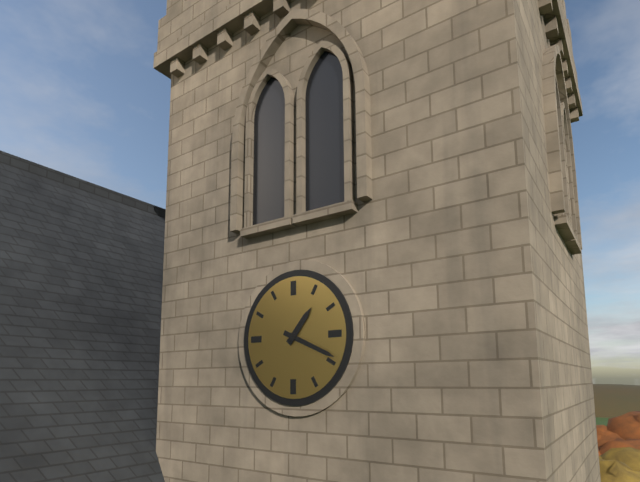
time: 1:19
